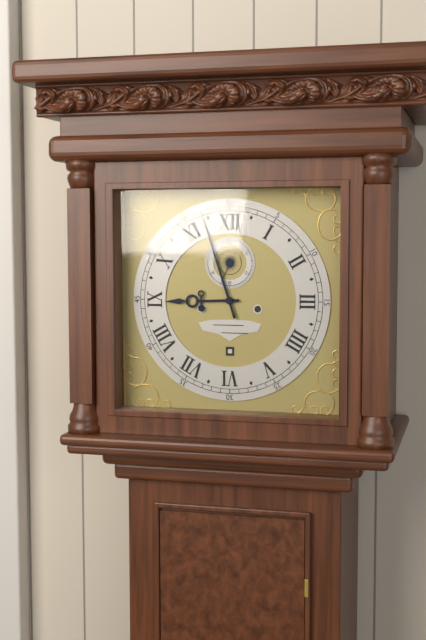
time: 8:57
